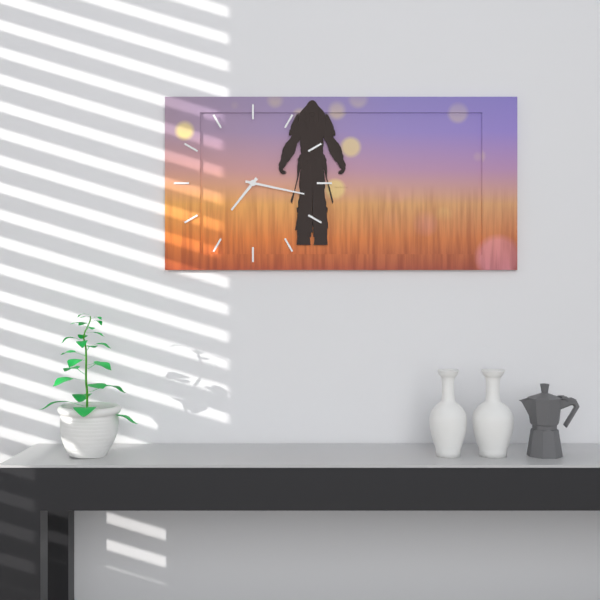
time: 7:17
